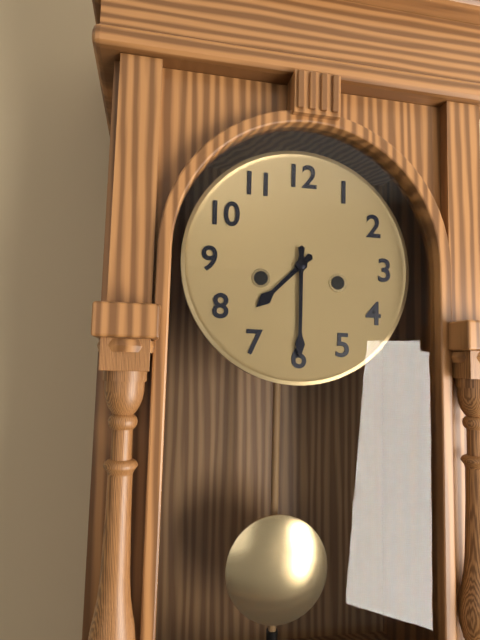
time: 7:30
